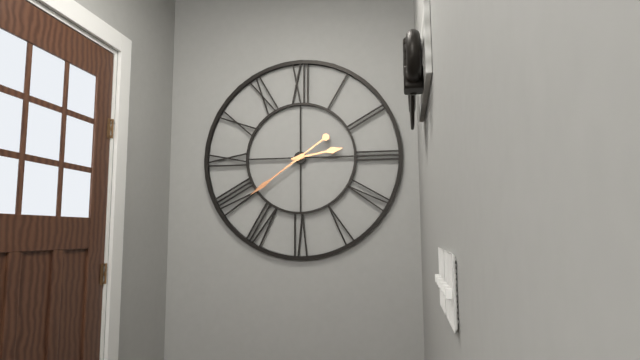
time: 2:39
